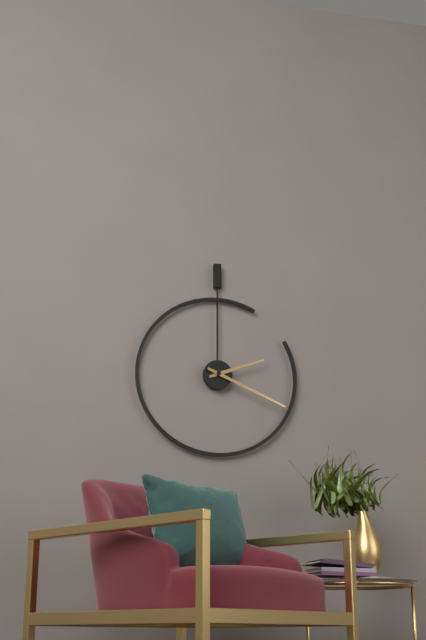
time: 2:19
